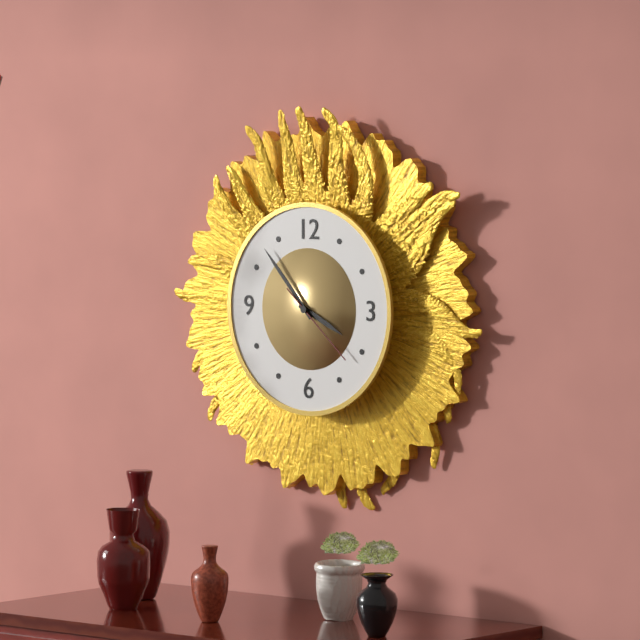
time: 3:53:22
